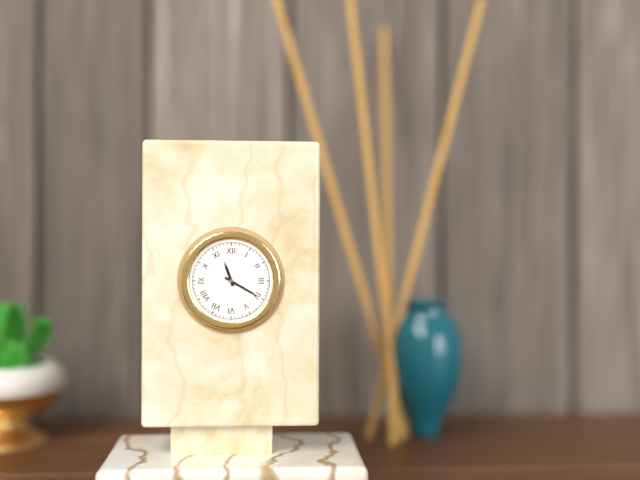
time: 11:20
